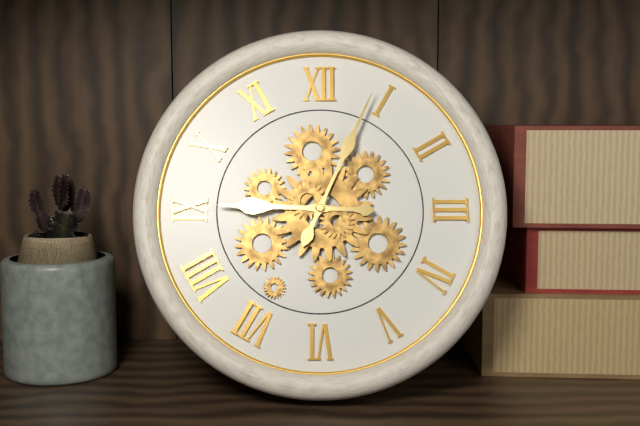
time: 9:04
